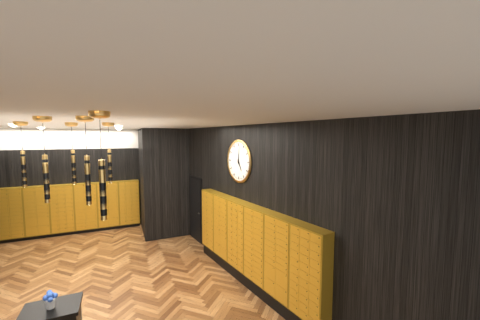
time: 5:01
